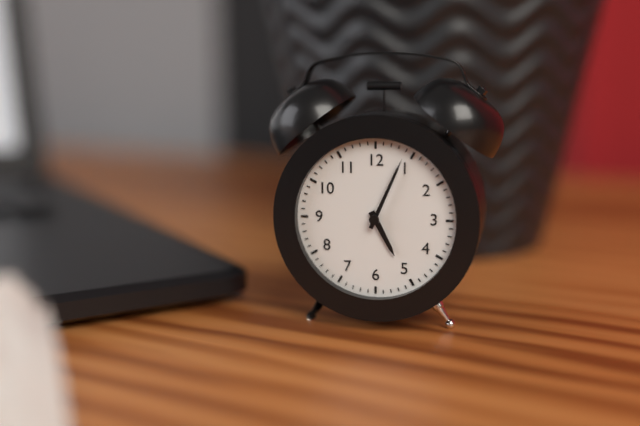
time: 5:04
